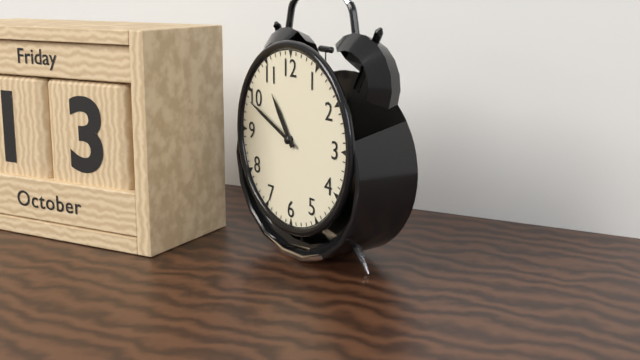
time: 10:49
